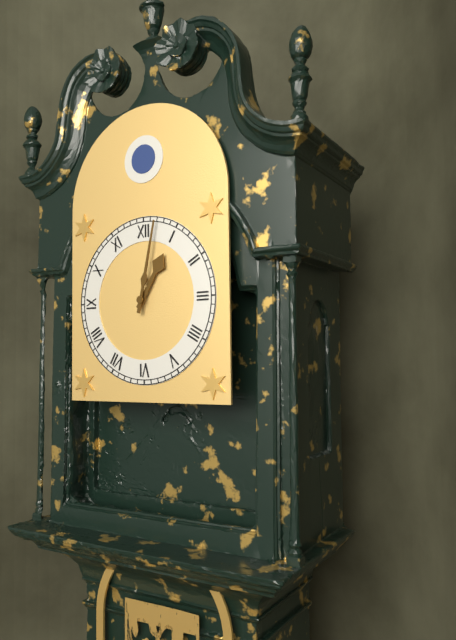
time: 1:02
